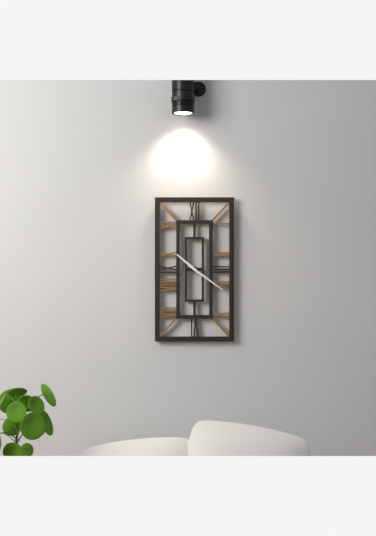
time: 10:21
